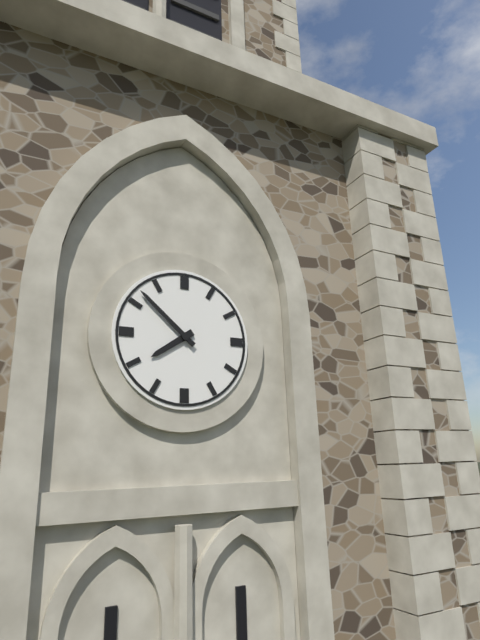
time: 7:52
